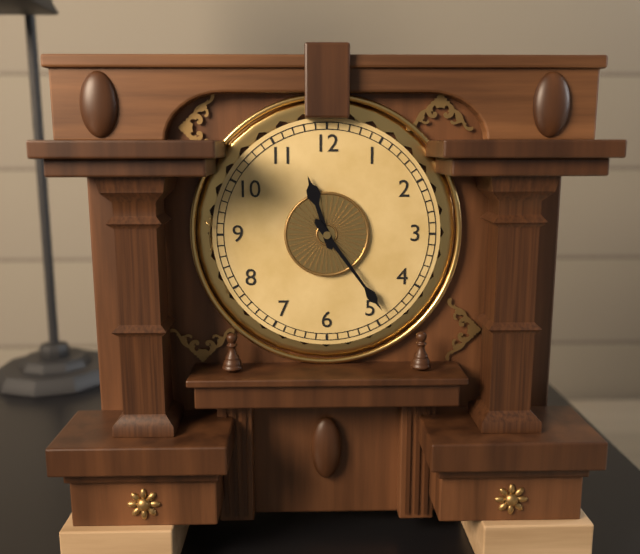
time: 11:24
